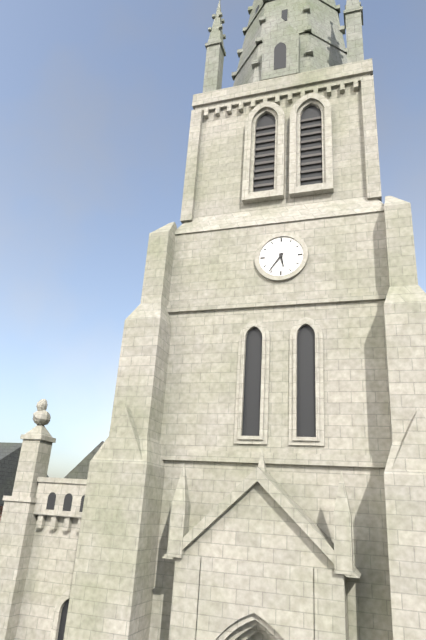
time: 5:36
